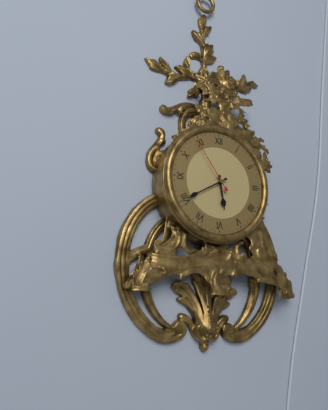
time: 5:40:54
